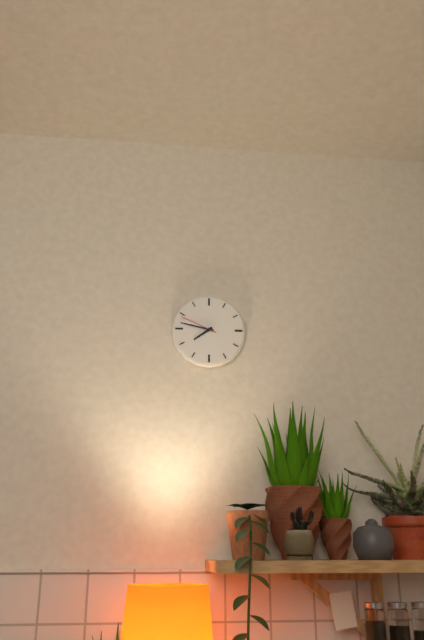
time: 7:47
